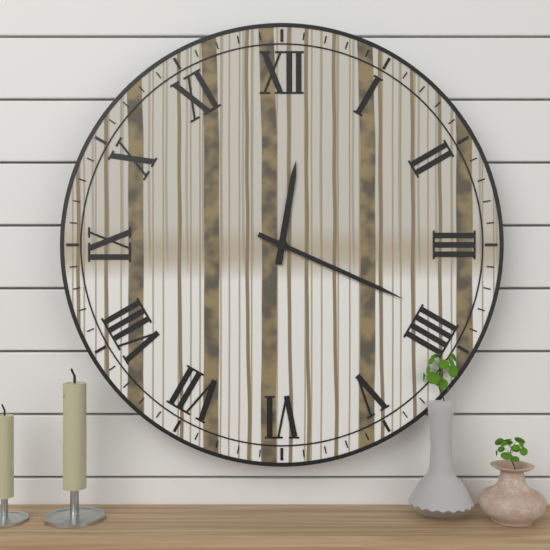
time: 12:19
